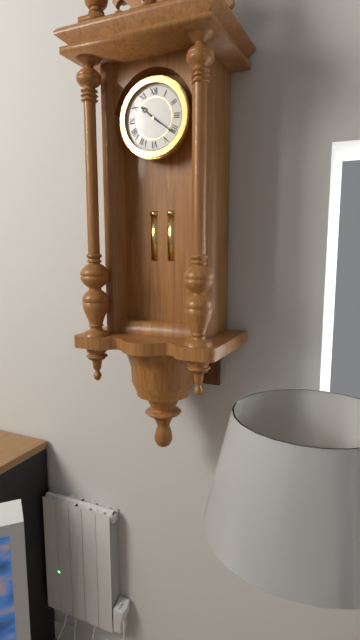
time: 10:21
